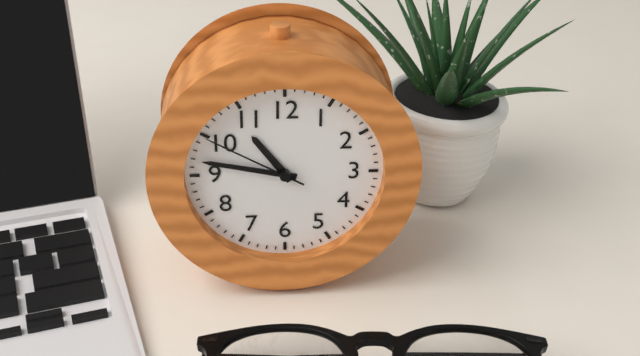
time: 10:47:50
